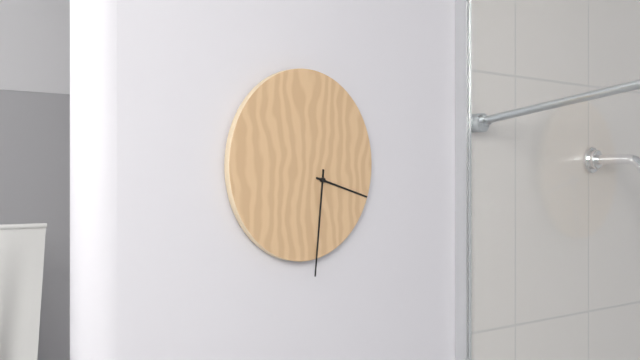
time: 3:31
